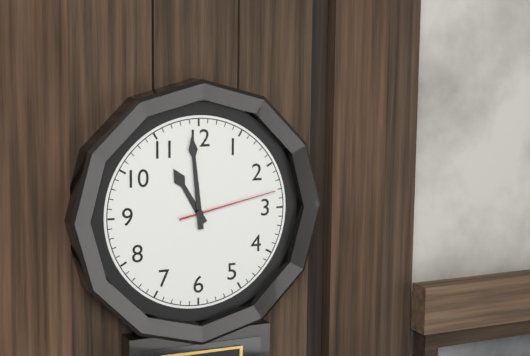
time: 10:59:13
